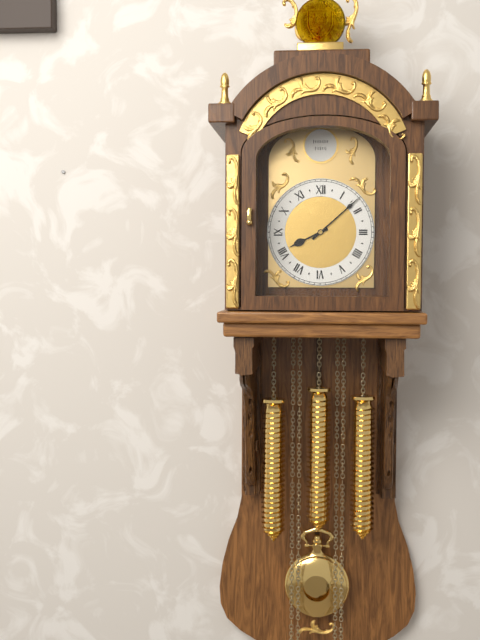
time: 8:08
